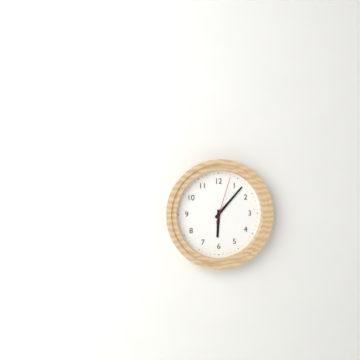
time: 6:07
